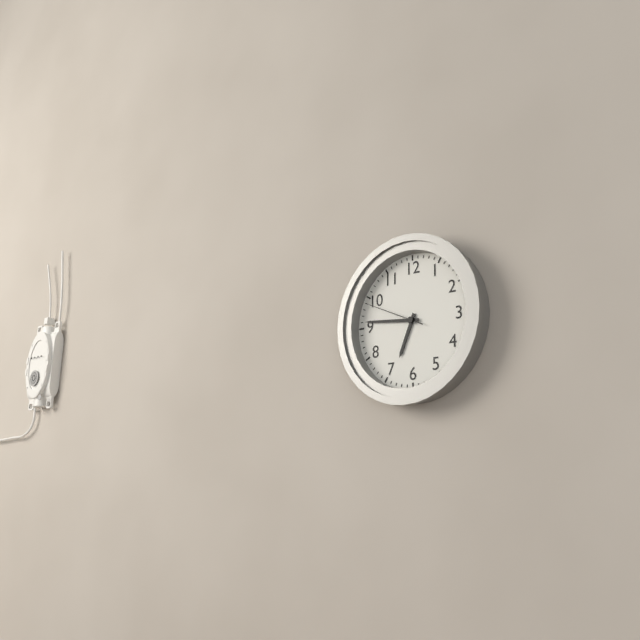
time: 6:46:49
